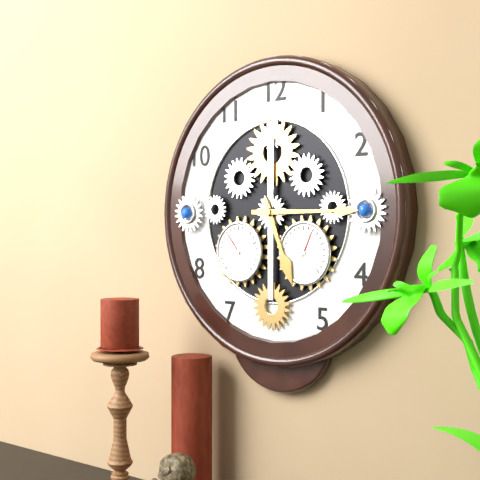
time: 5:15
